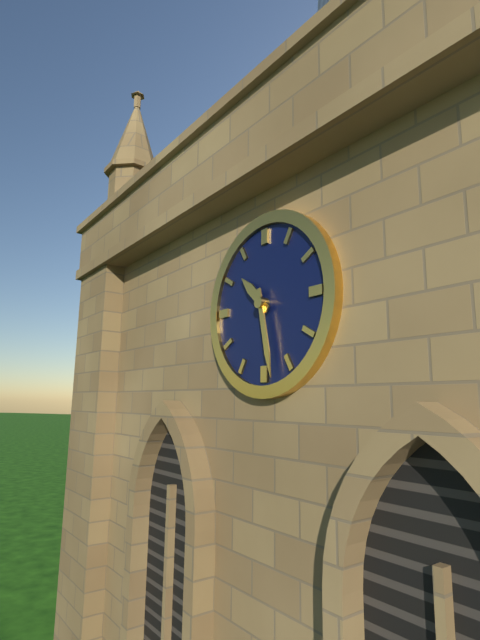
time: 10:28
